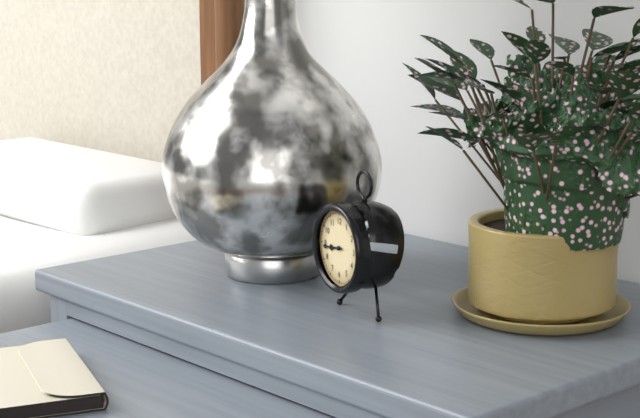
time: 8:44
